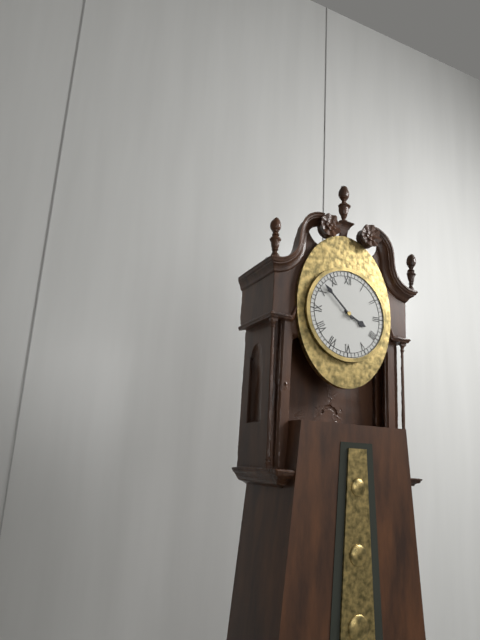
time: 3:52
